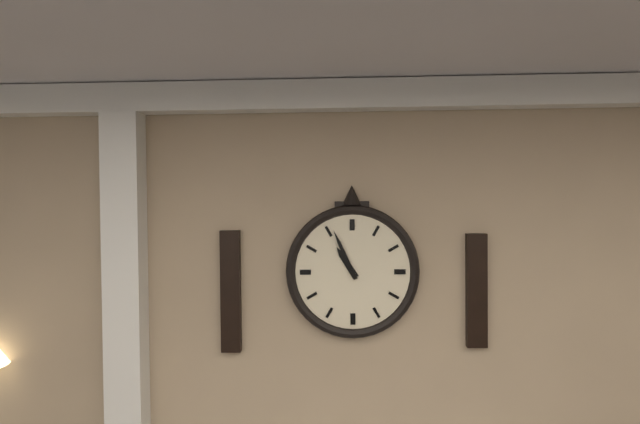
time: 10:56
